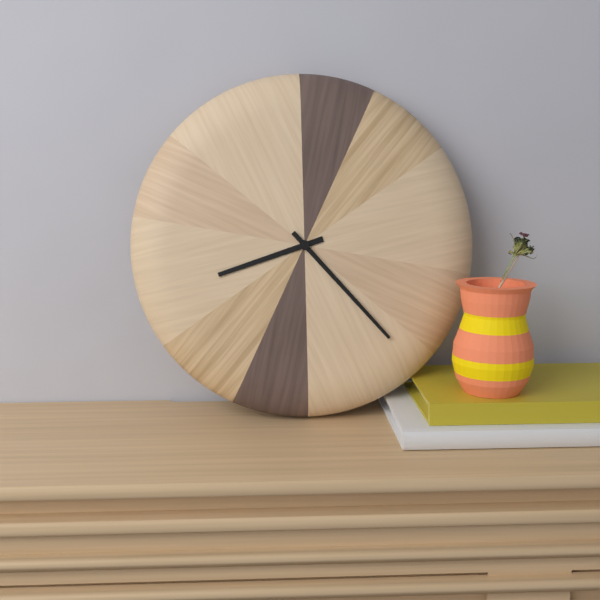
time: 8:23
